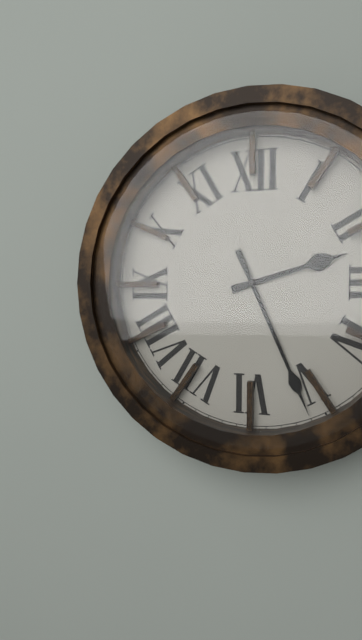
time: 2:26
